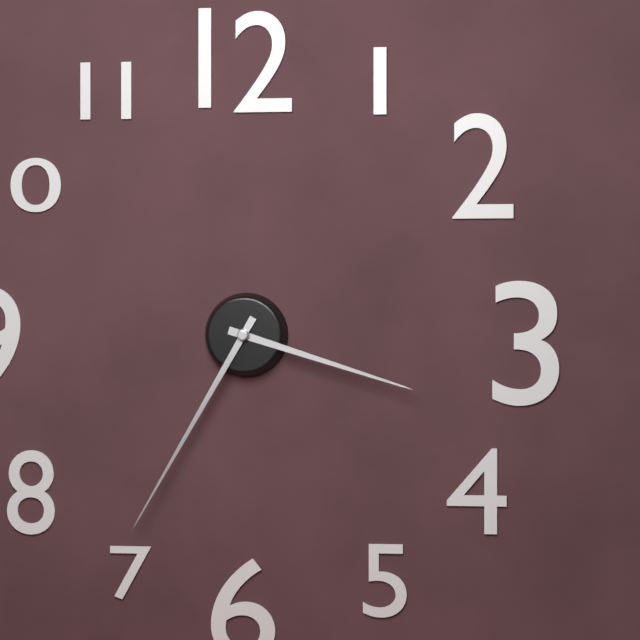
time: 3:35
